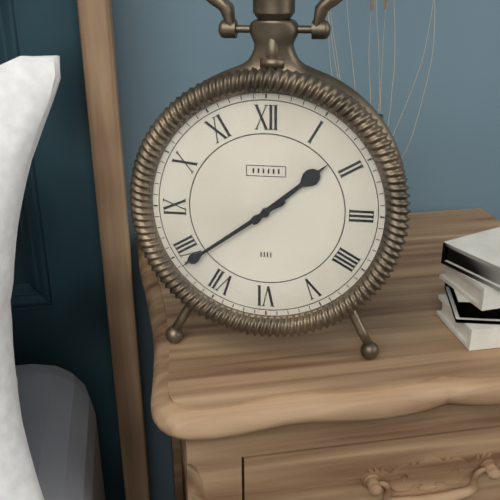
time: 1:39
